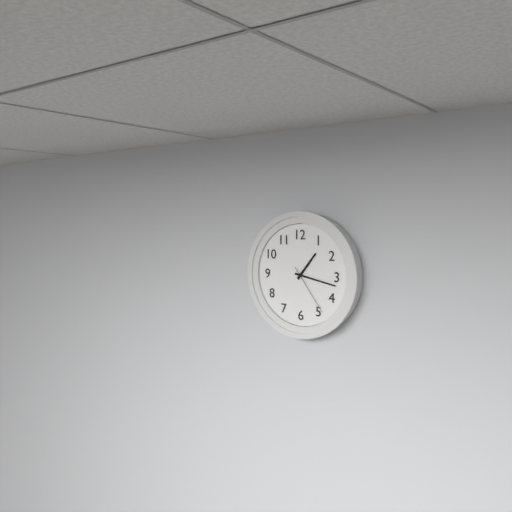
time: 1:17:24
